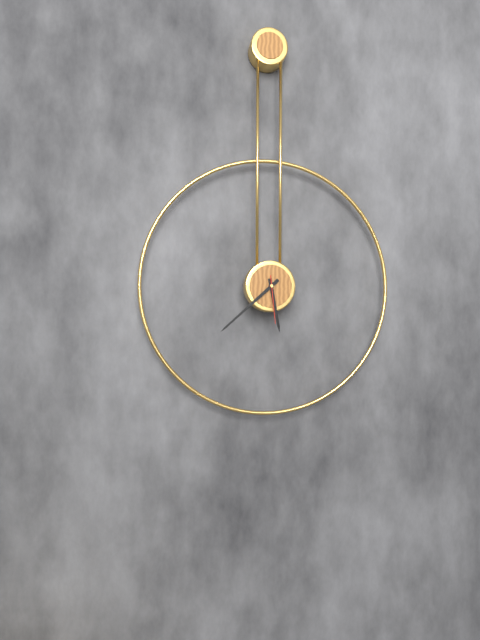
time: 5:38
